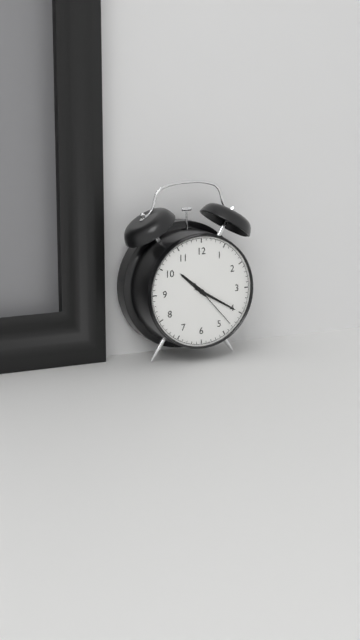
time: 10:20:23
